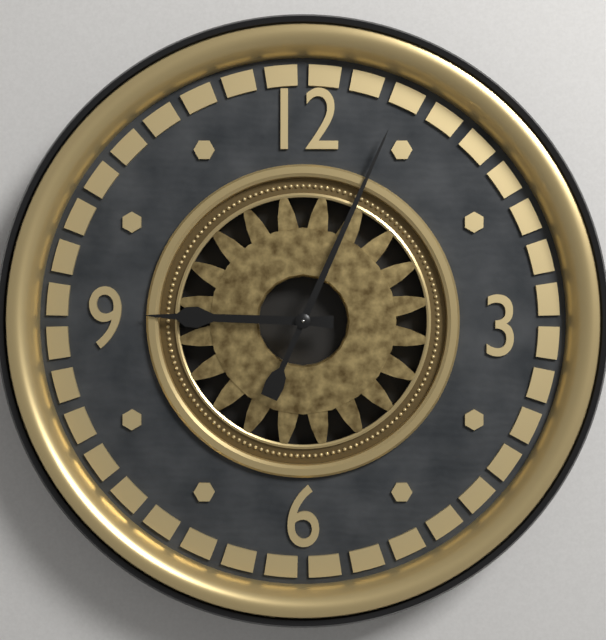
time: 9:04
